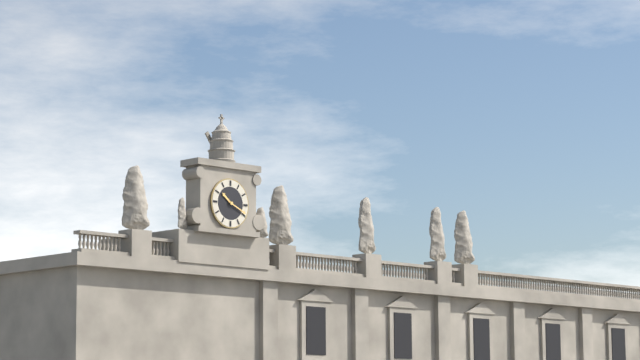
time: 10:19
